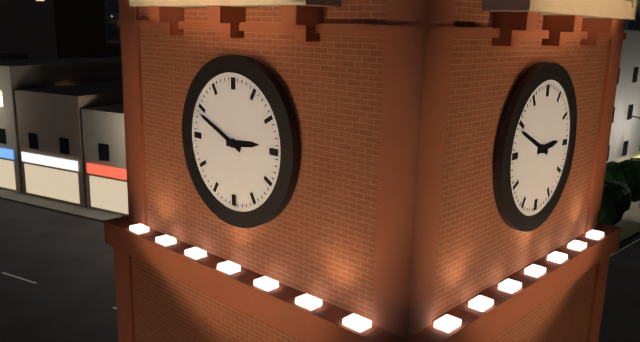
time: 2:49
